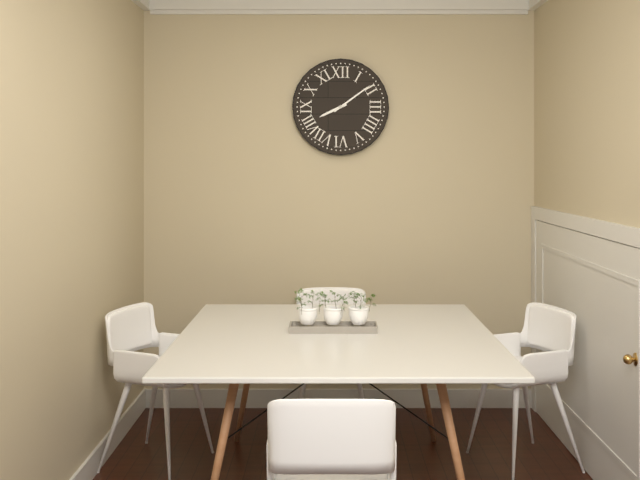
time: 8:09
